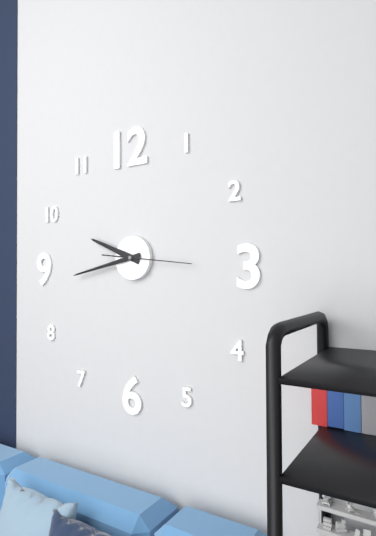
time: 9:43:16
